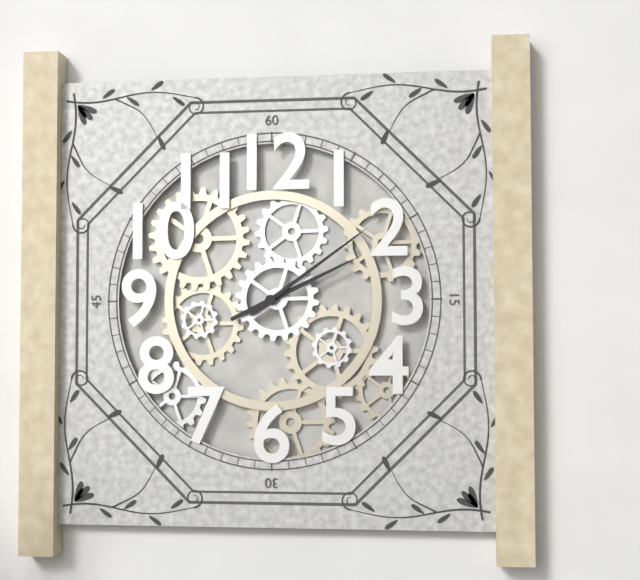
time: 2:09
